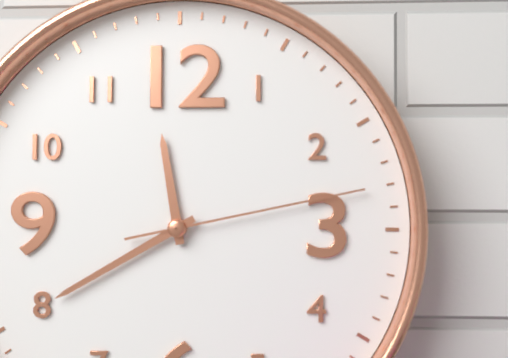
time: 11:40:13
